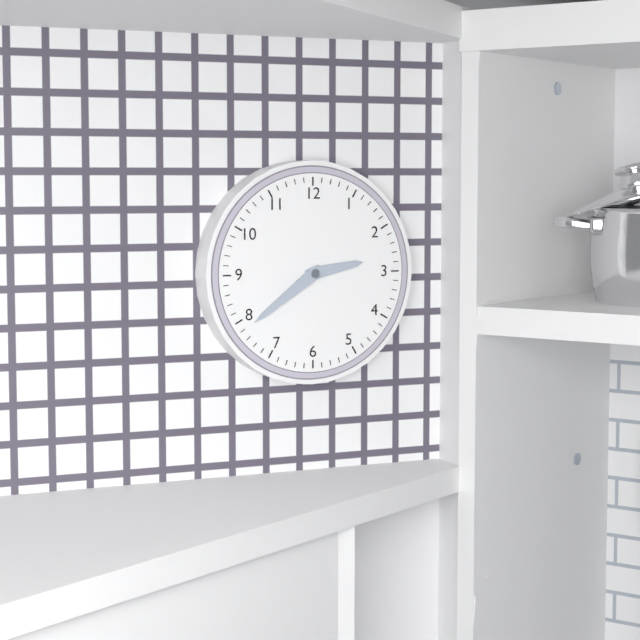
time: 2:39
